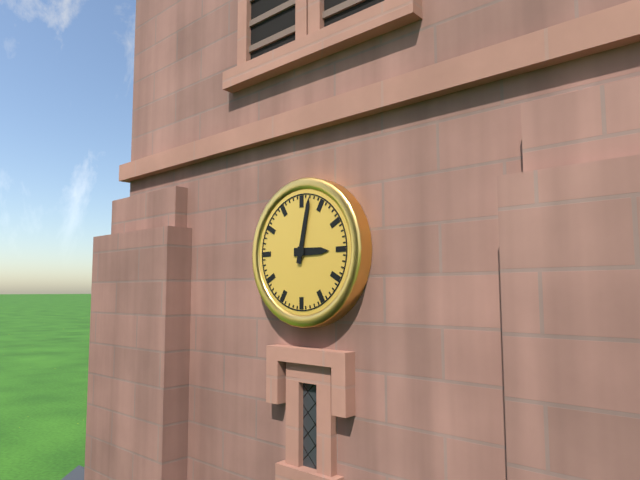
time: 3:02
